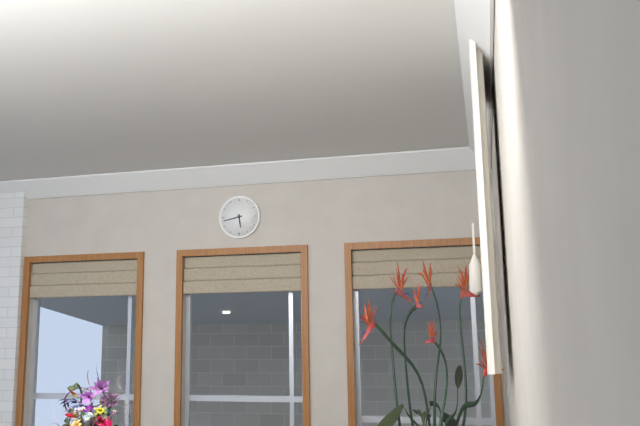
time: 5:43
